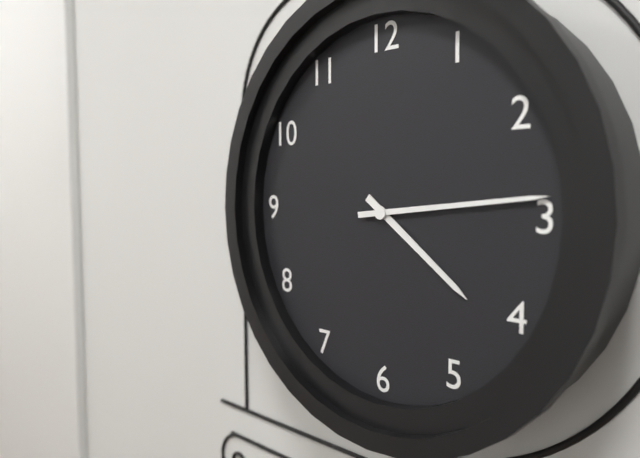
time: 4:14
